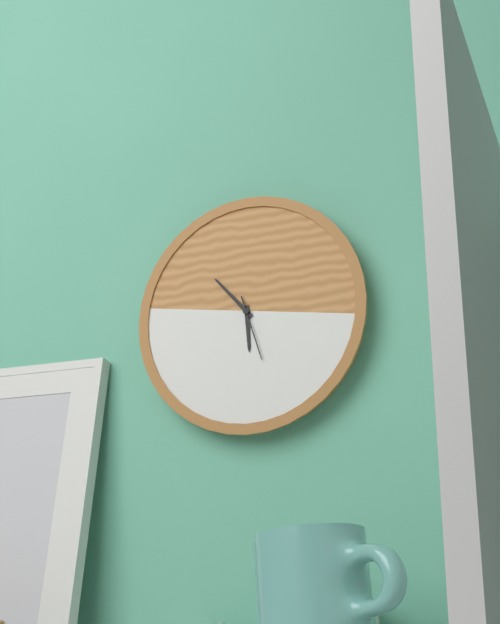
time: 5:53:27
